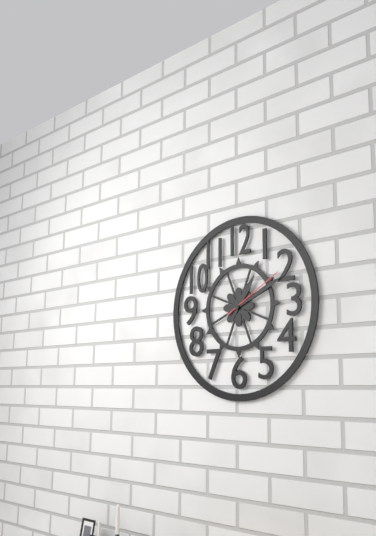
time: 1:11:10
